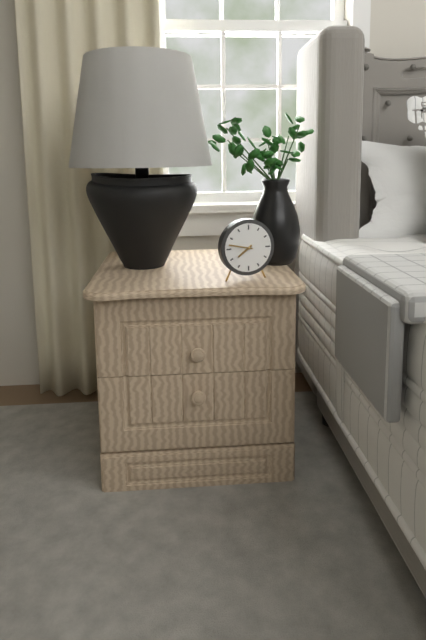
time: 7:47
